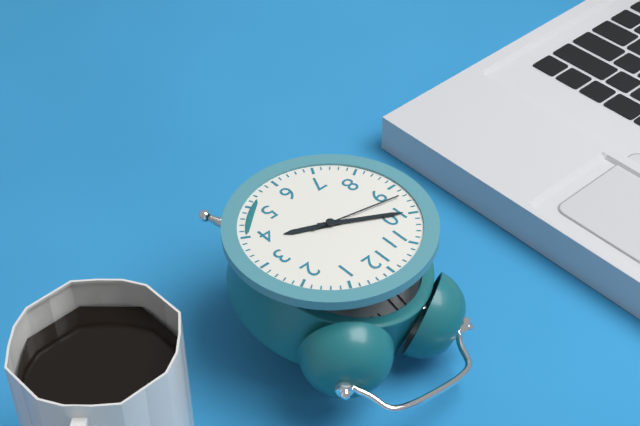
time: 3:50:47
